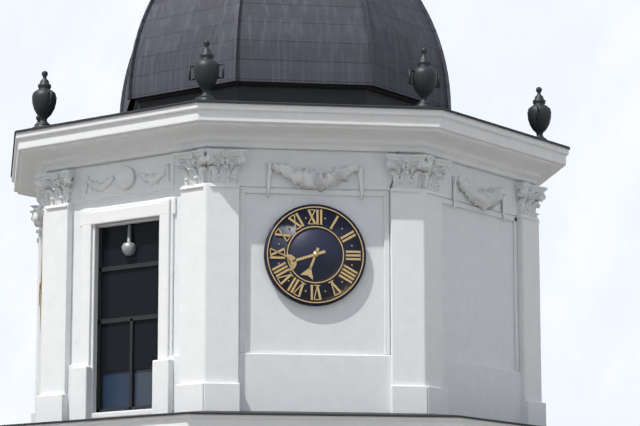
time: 6:42
